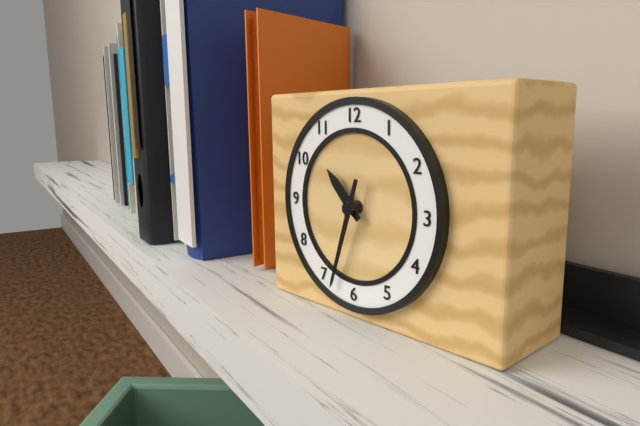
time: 10:33
